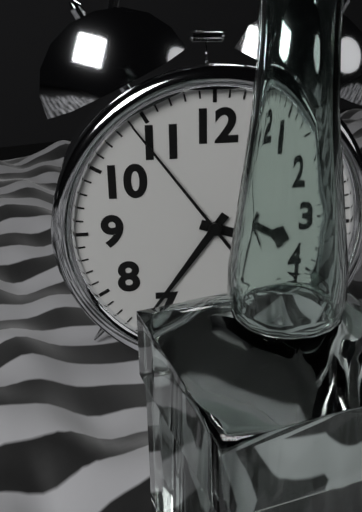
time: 3:36:54
